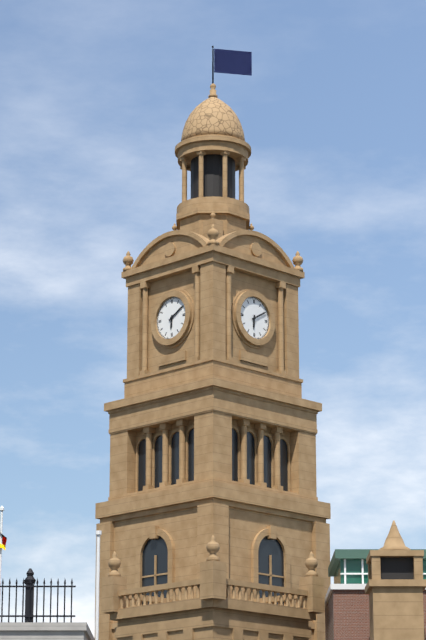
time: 6:10
